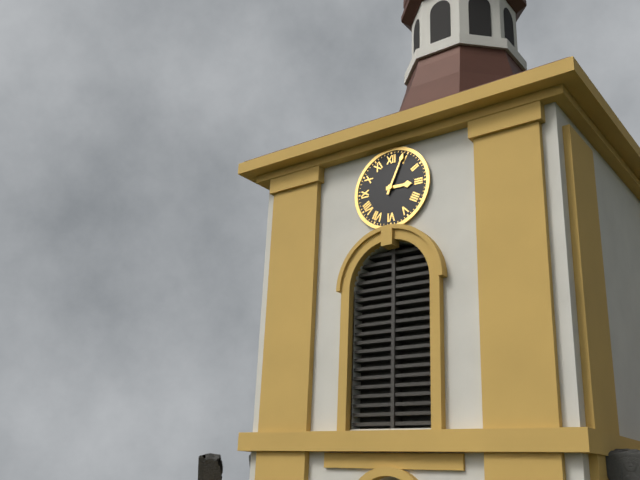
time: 3:04
